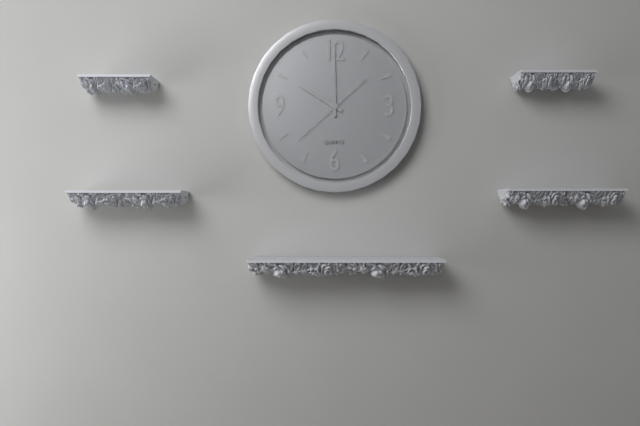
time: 10:00:38
